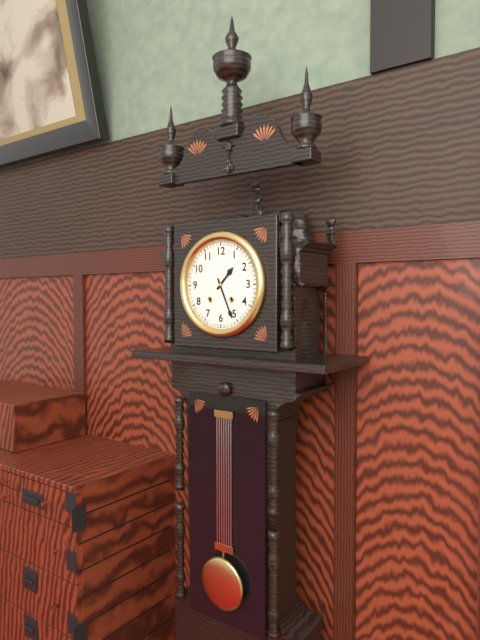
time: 1:26
